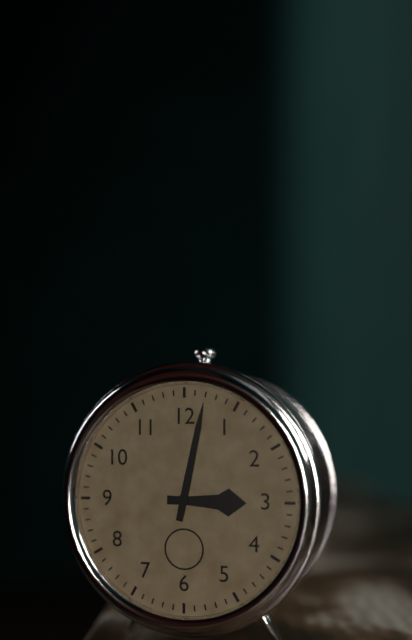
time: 3:02
